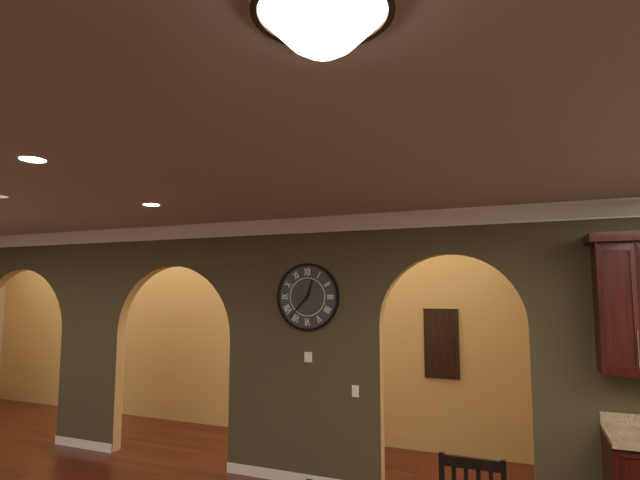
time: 12:37
